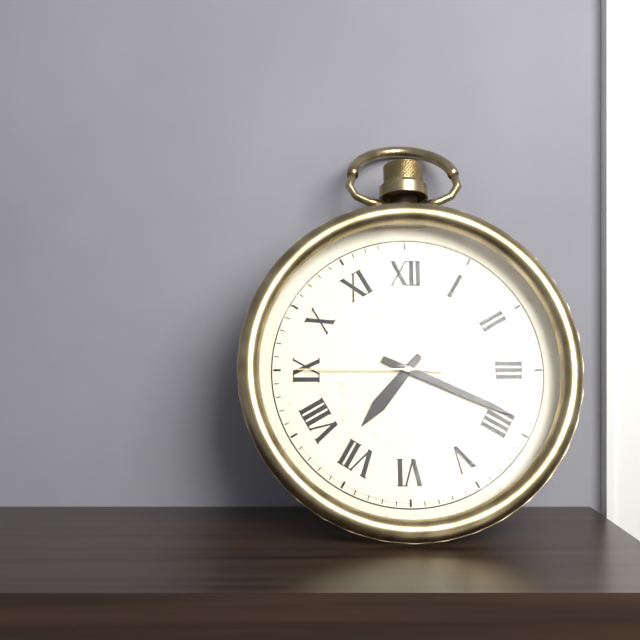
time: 7:19:45
